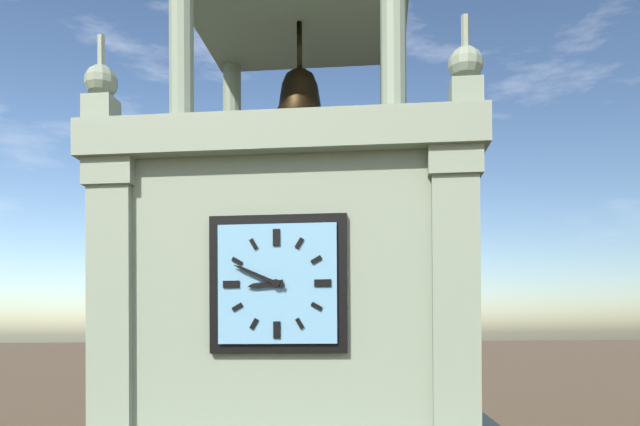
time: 8:49
